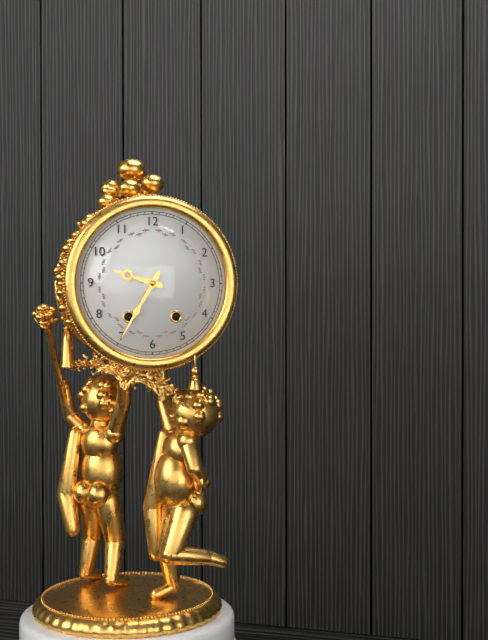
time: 9:35
